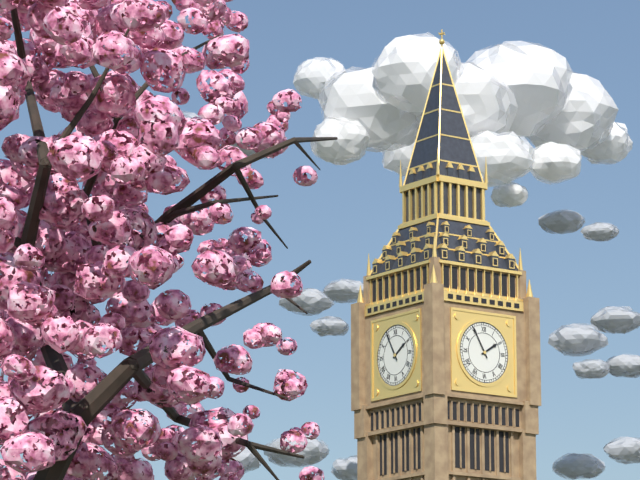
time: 1:55
